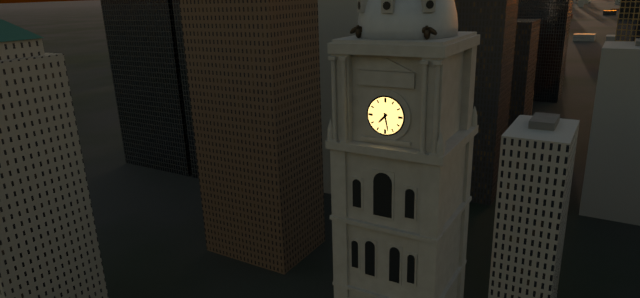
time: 7:28
